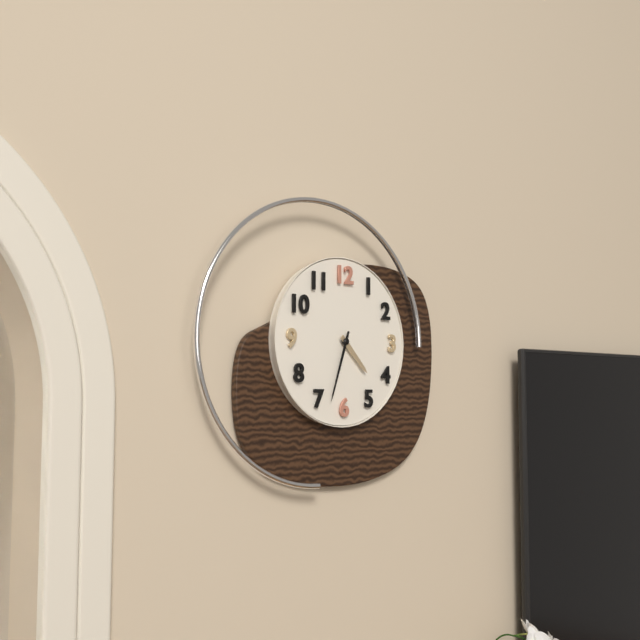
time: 4:33
